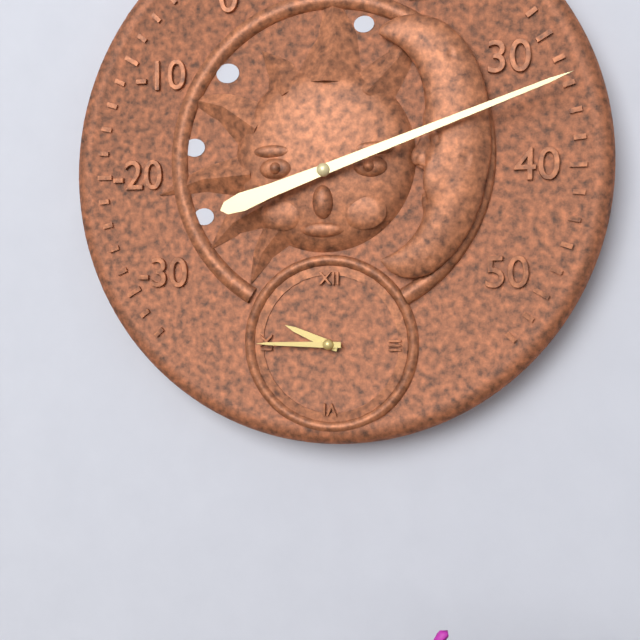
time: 9:45
